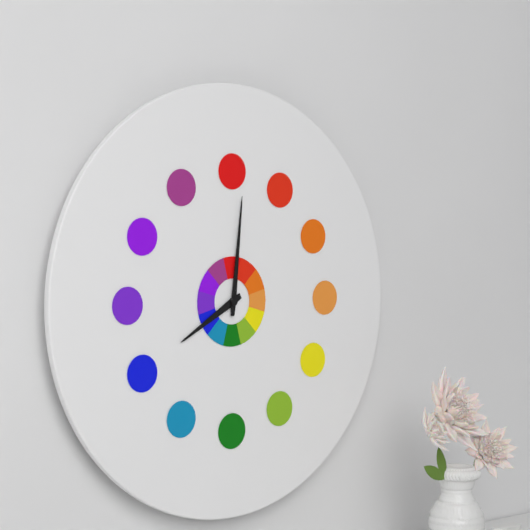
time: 8:01
